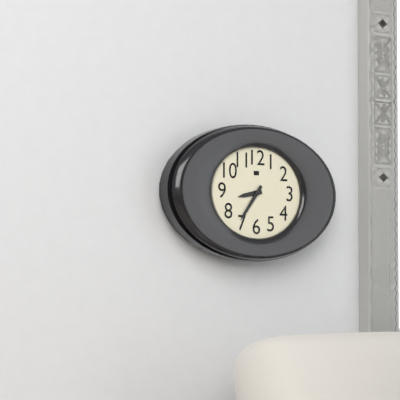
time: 8:36
